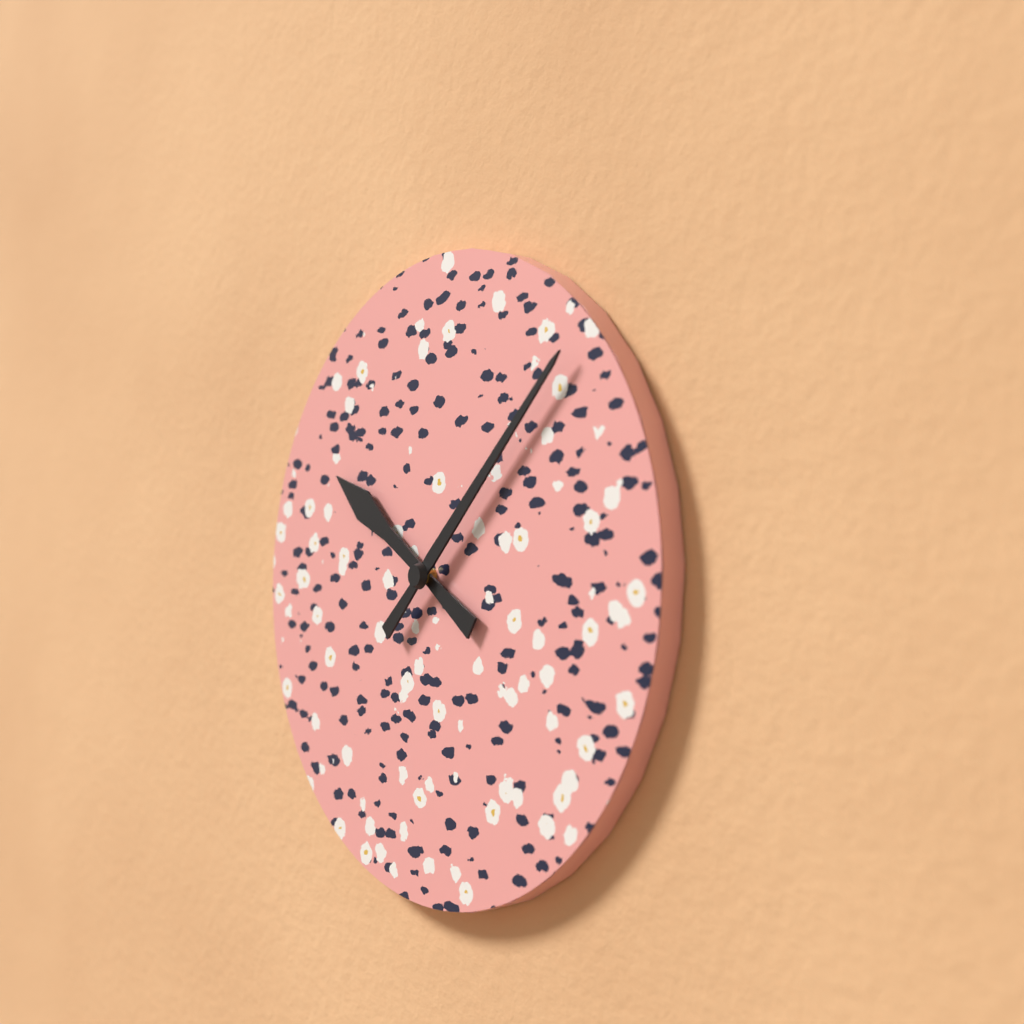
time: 10:08
